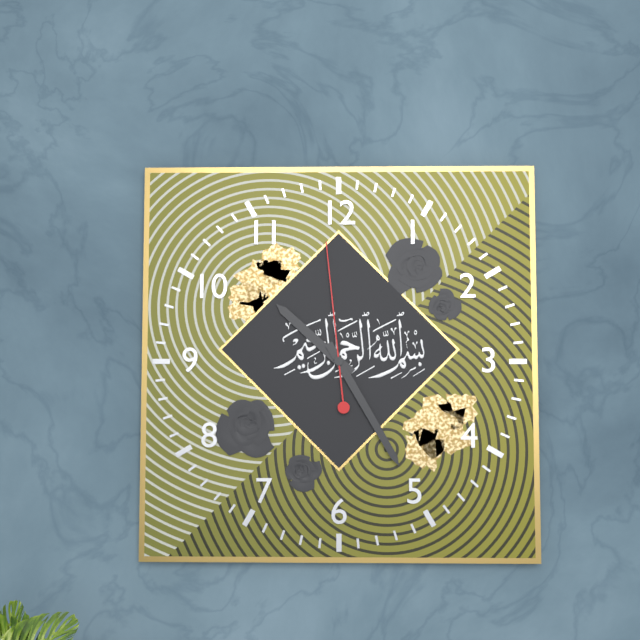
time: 10:25:59
